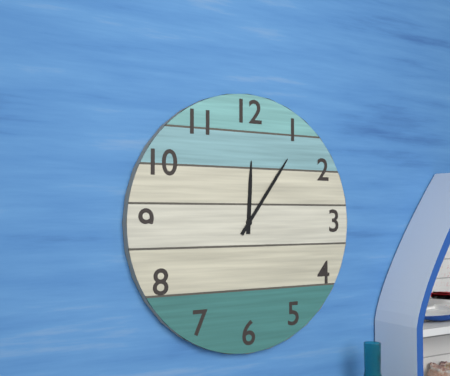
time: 12:06
